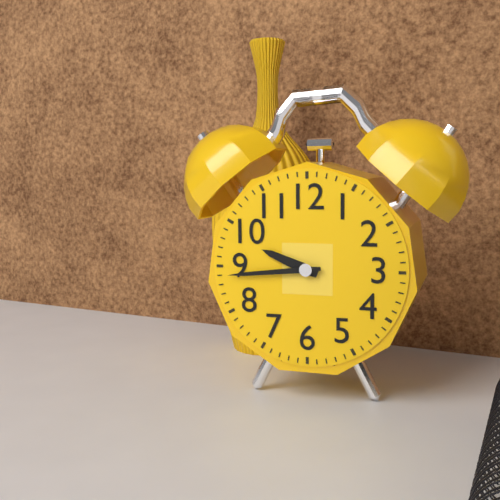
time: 9:44
